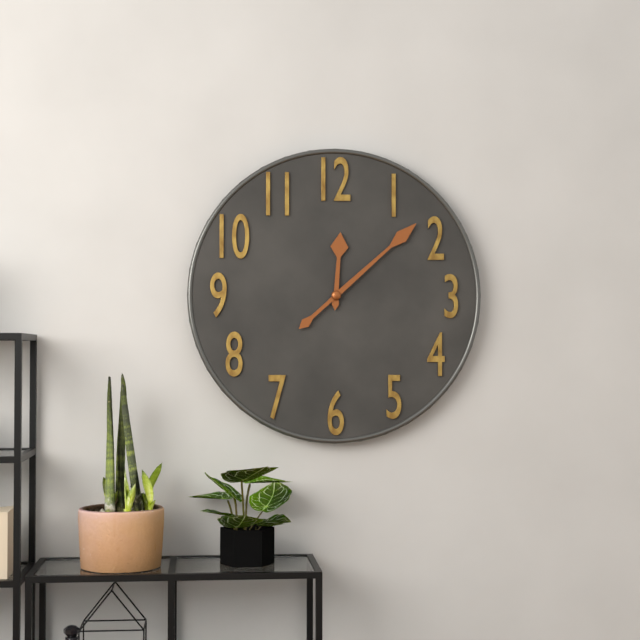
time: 12:08
